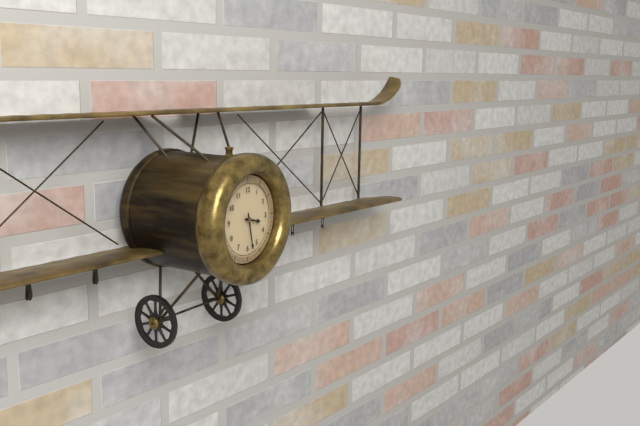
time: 3:28
